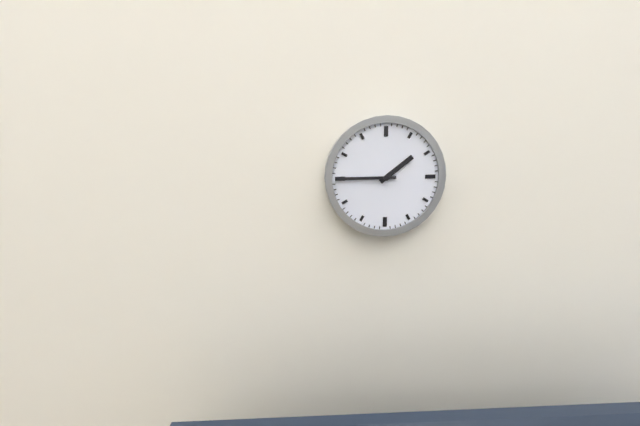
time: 1:45
